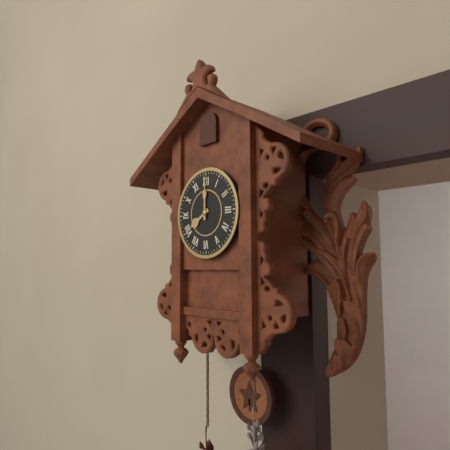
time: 8:00
